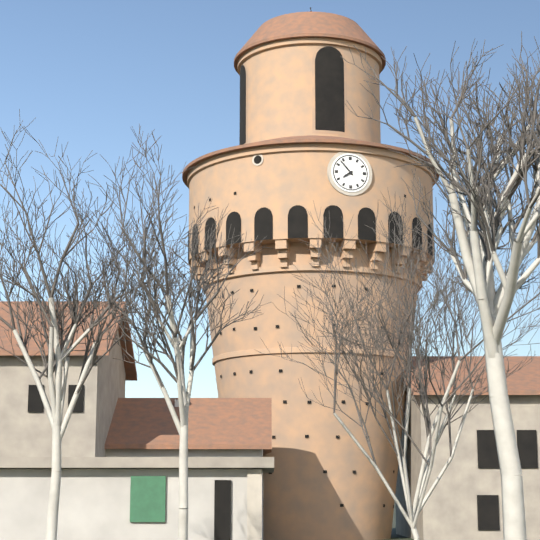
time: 7:53
